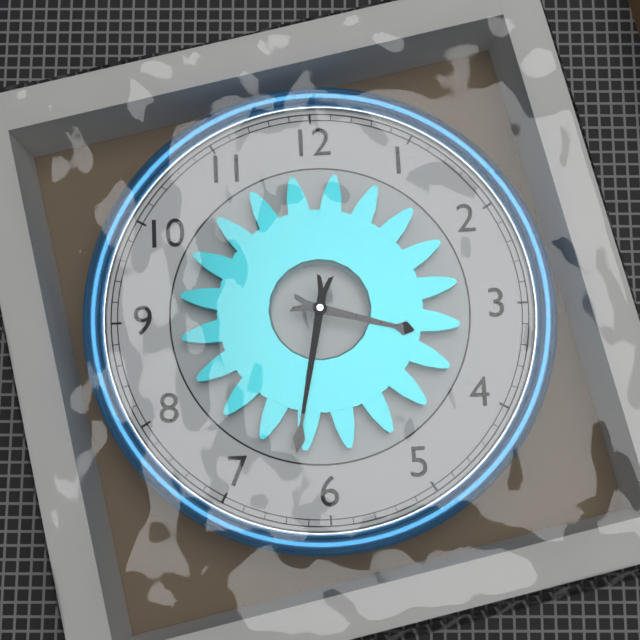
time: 3:32
